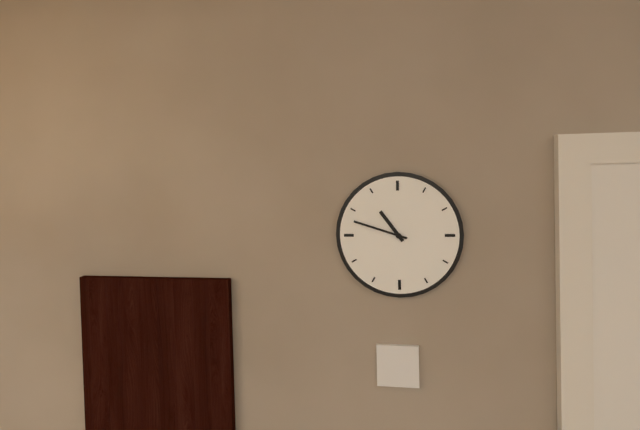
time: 10:48
